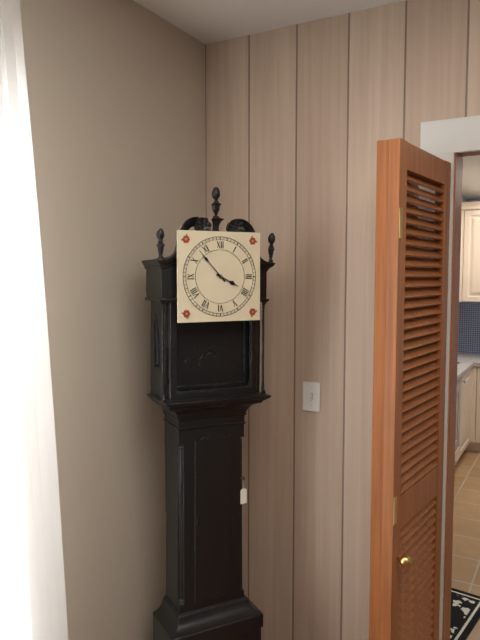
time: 3:53
